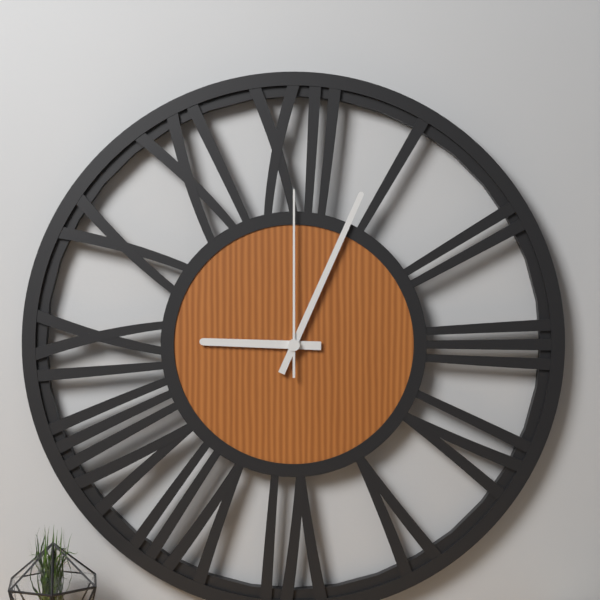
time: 9:04:00
